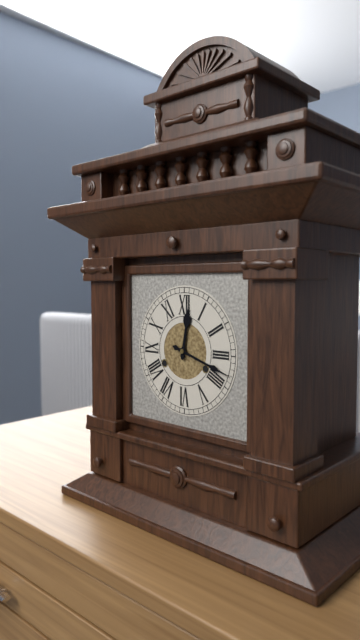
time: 12:18
